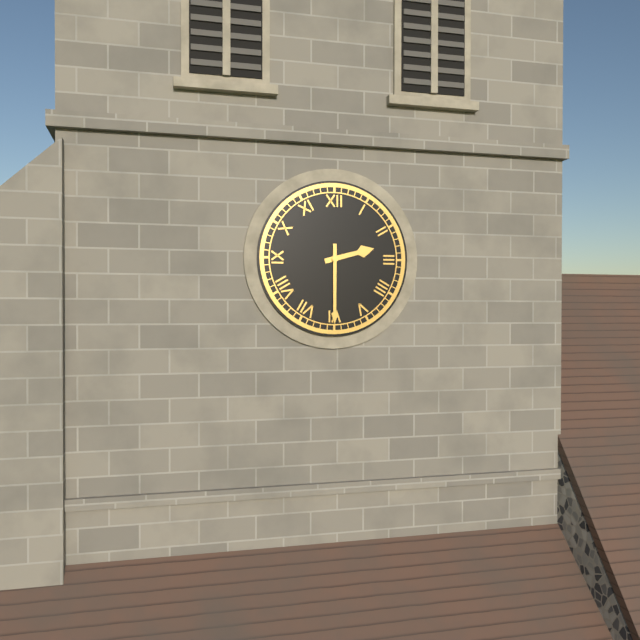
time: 2:30
